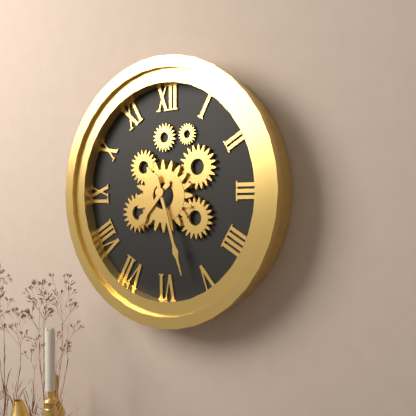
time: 7:27
